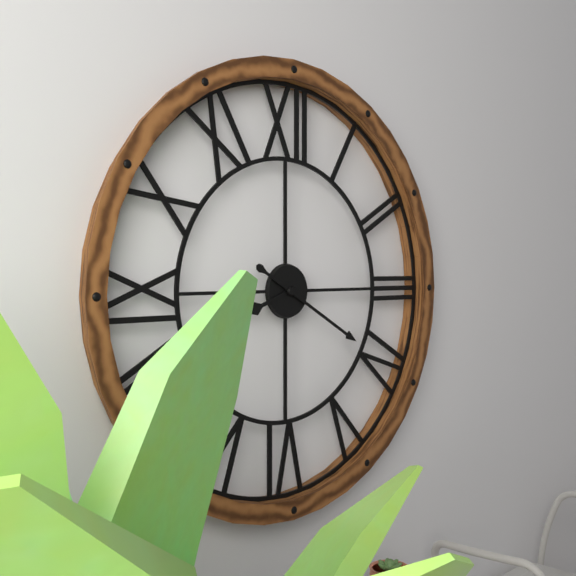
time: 8:20
